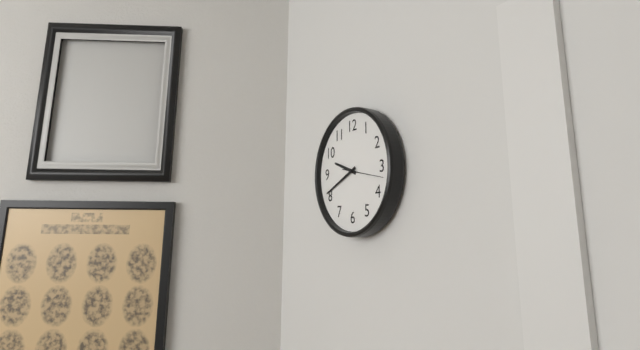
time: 9:41
